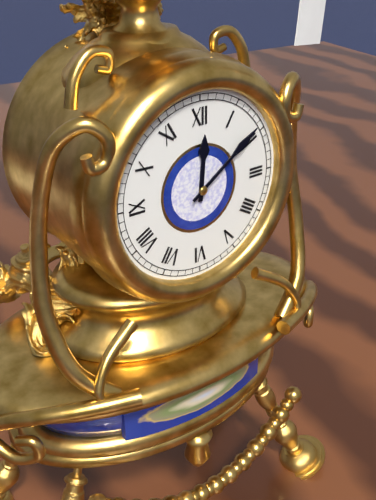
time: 12:09
